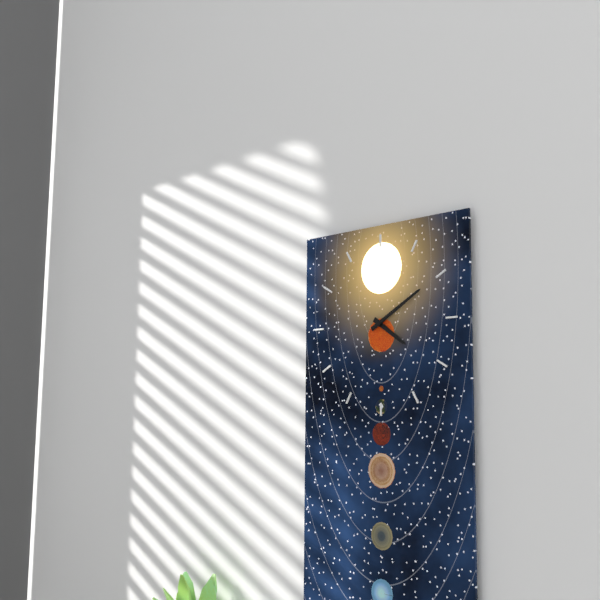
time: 4:10
